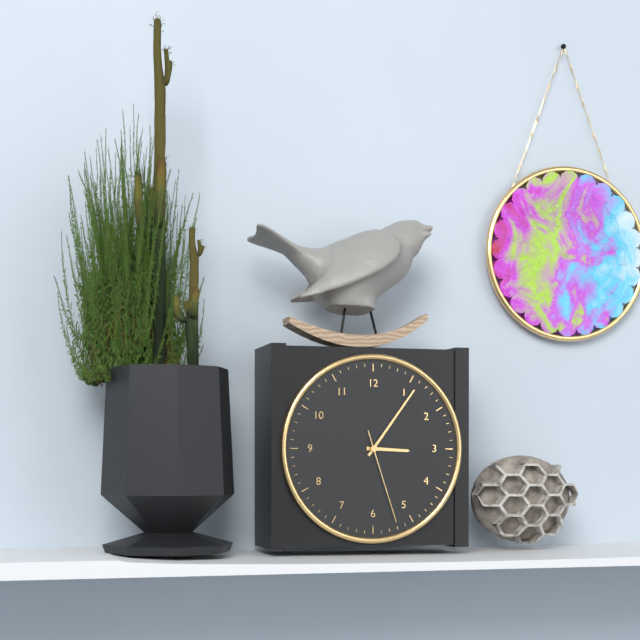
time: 3:06:27
